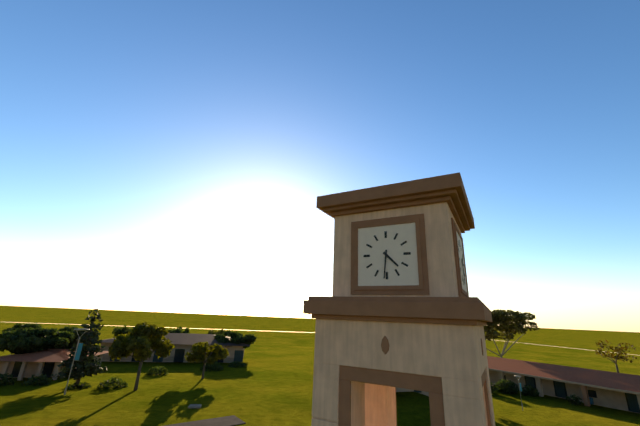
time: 4:31
